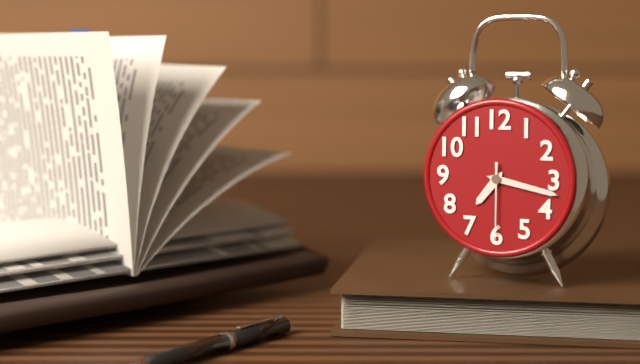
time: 7:17:30
